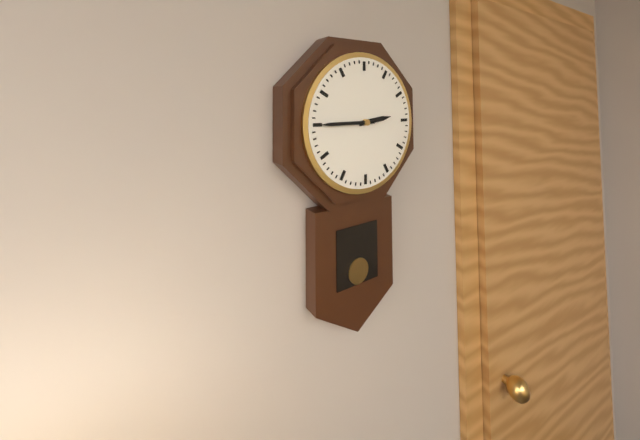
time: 2:45
